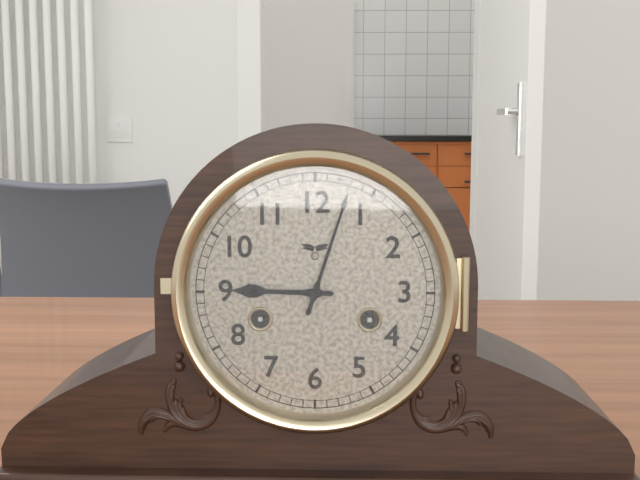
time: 9:03
